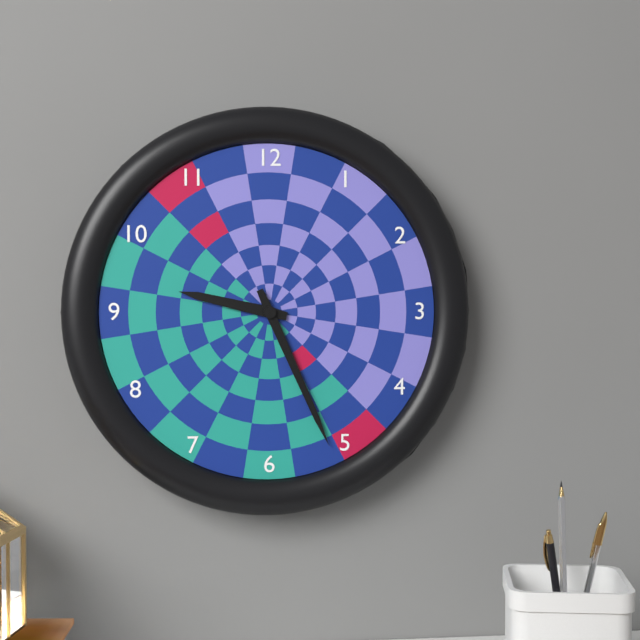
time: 9:26
